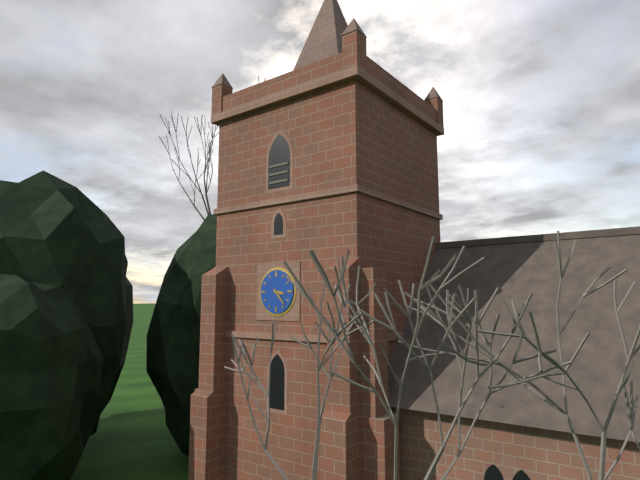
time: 3:23
